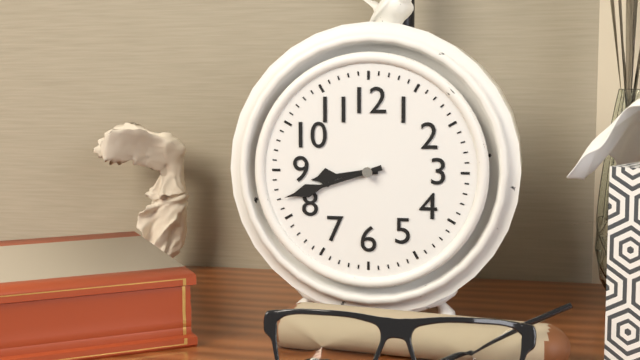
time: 8:42
